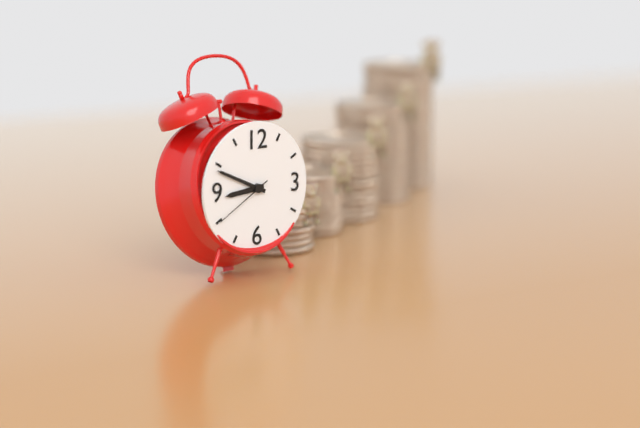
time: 8:49:40
